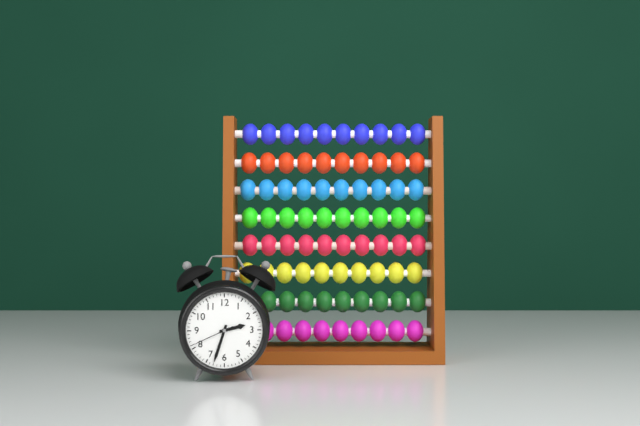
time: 2:33
